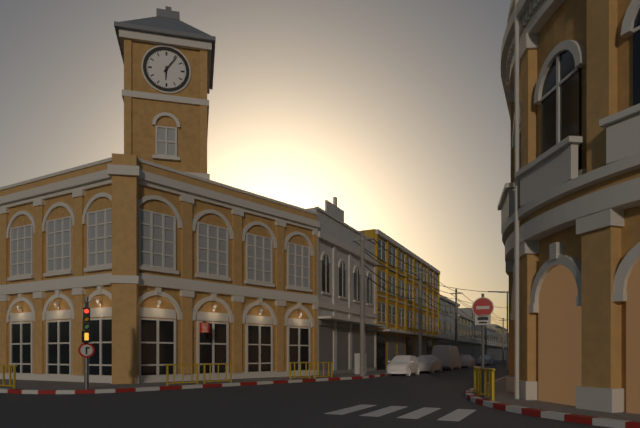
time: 6:06
